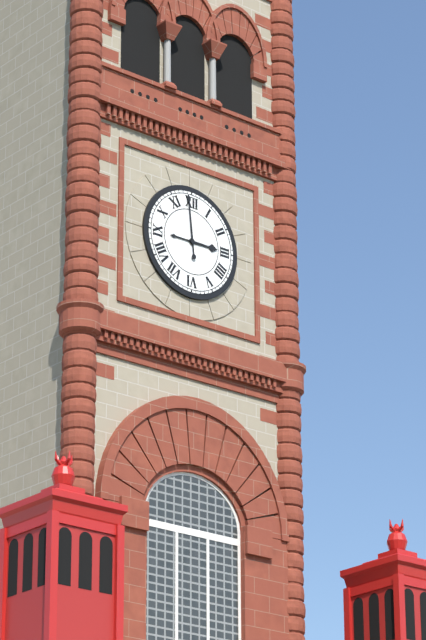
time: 2:59
